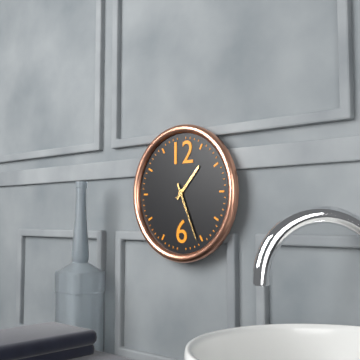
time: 1:26
